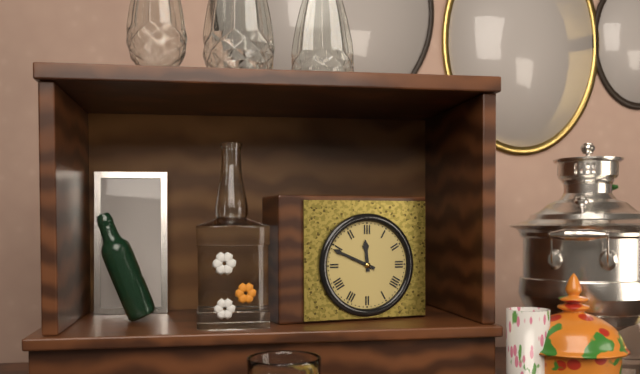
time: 11:49
